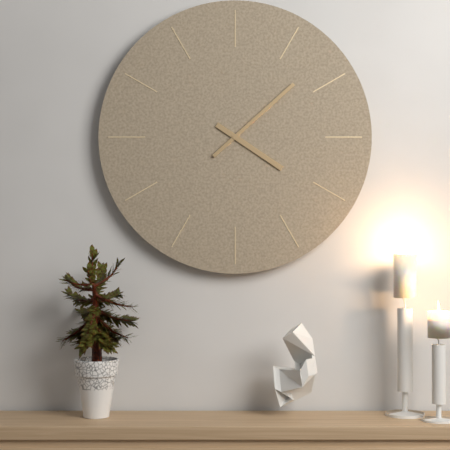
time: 4:08
